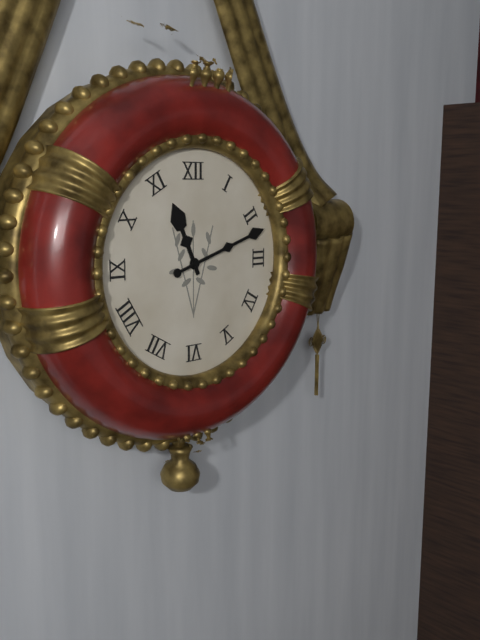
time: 11:12
